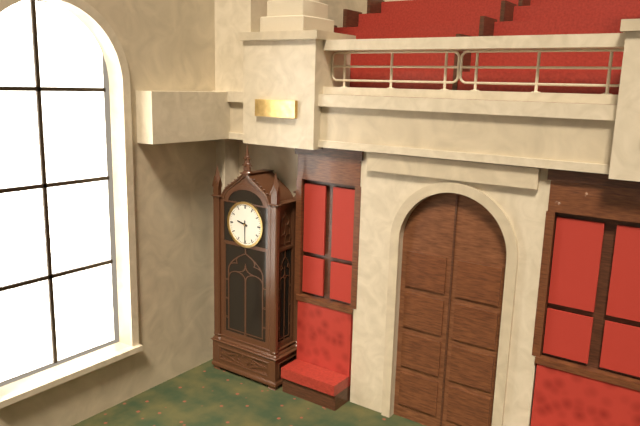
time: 9:30
